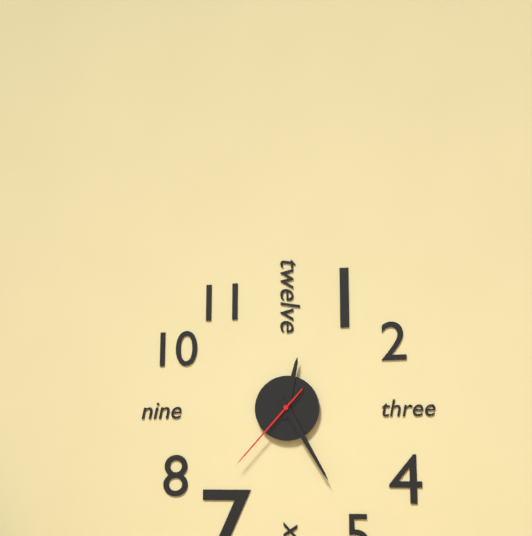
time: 12:25:37
